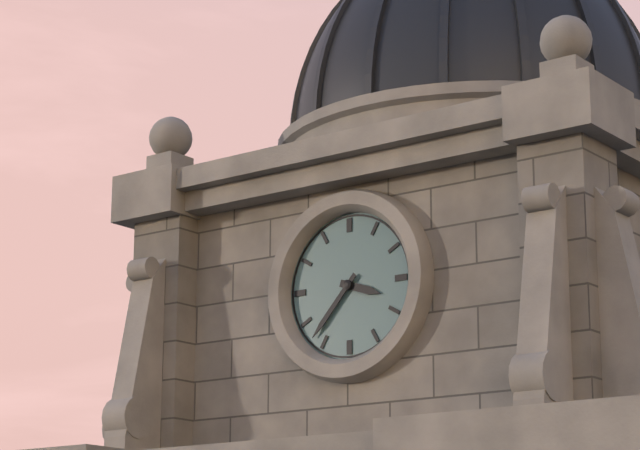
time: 3:37
